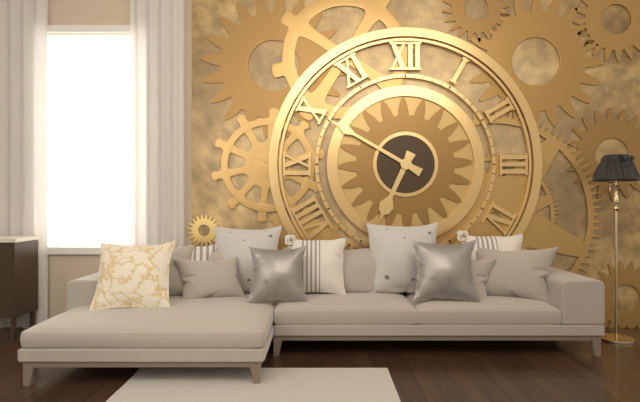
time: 6:50
